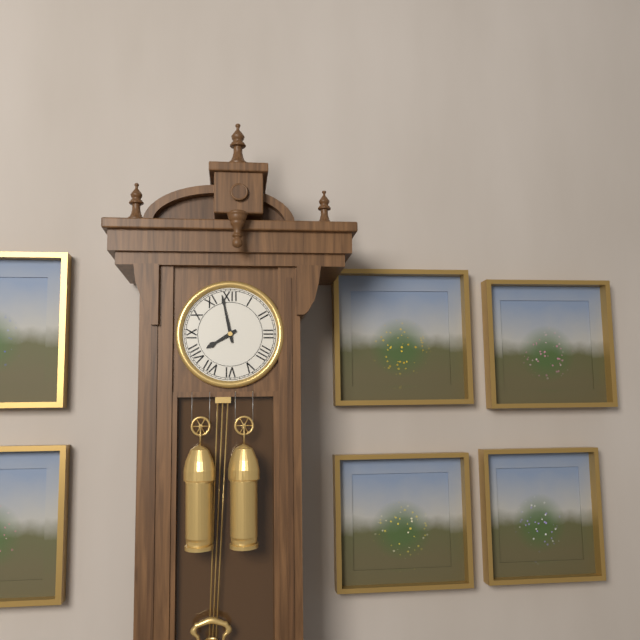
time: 7:58
